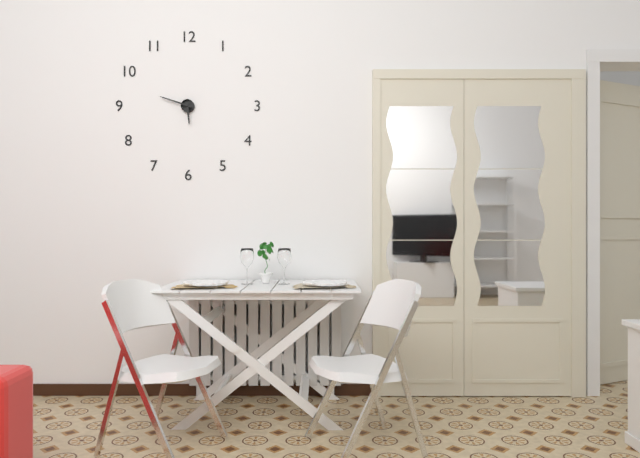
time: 5:48
